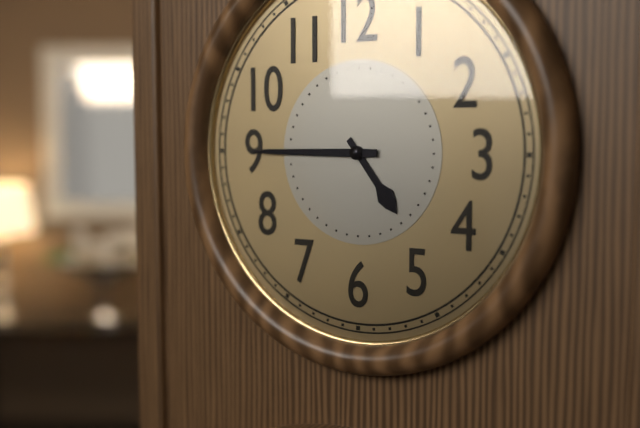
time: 4:45
